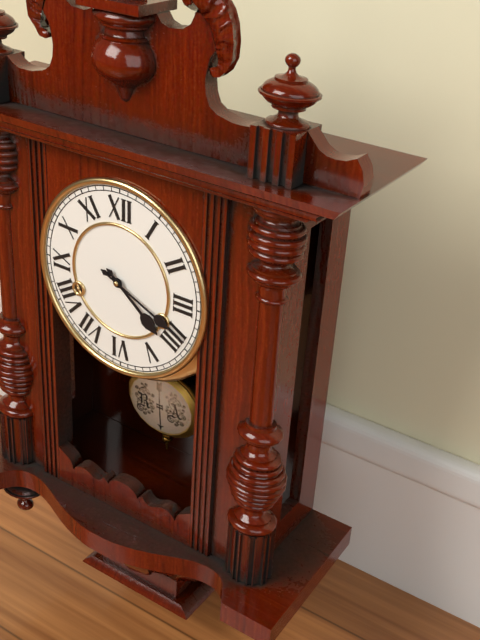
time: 4:19
